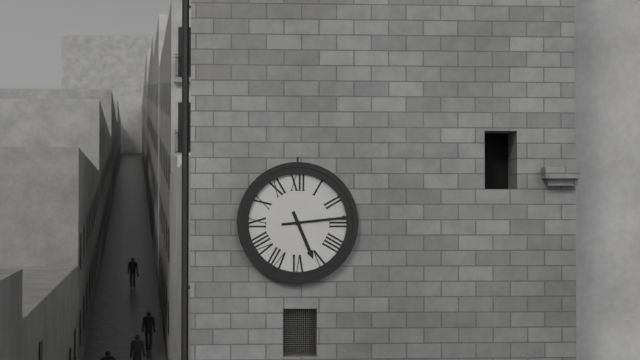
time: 5:14
